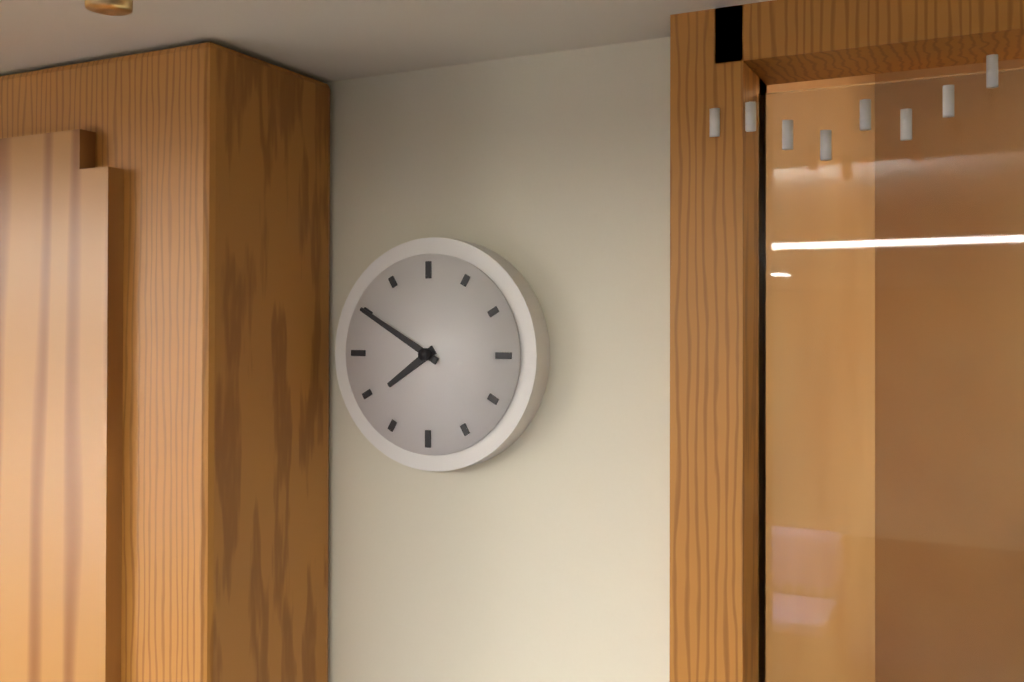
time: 7:50
